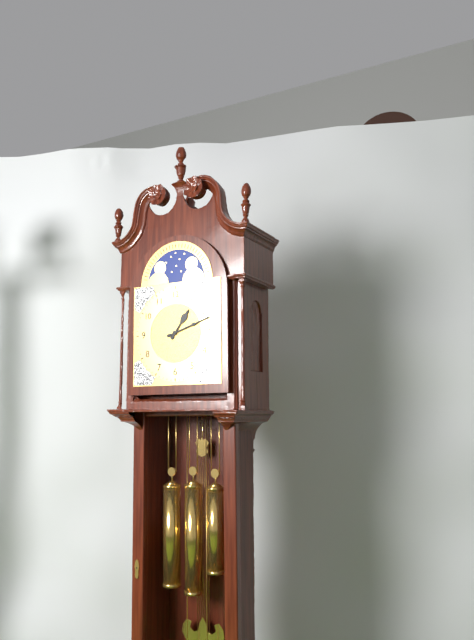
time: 1:12
